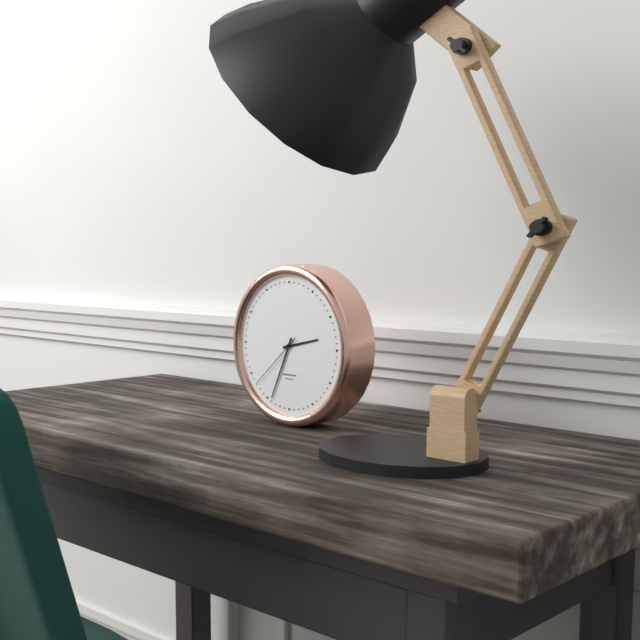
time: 2:34:38
